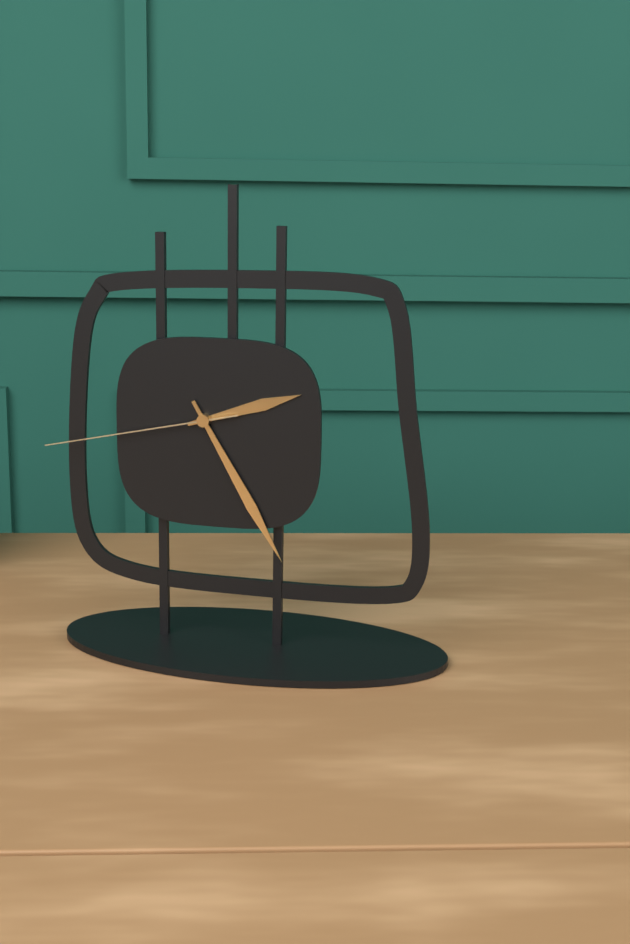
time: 2:25:43
